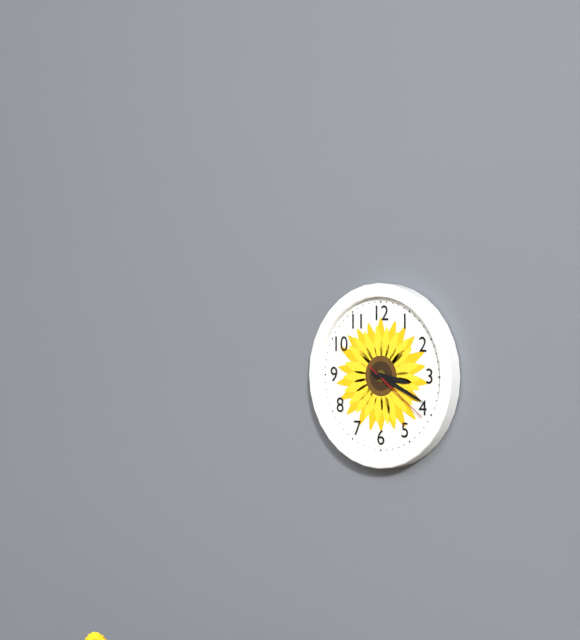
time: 3:19:21
